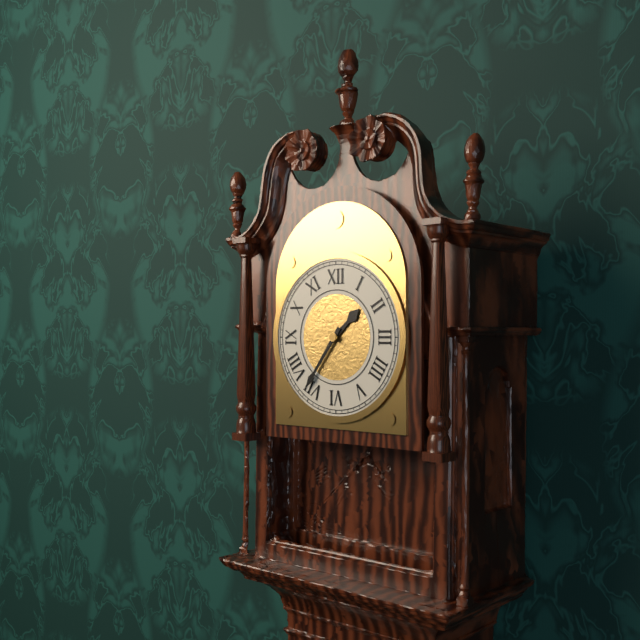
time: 1:36
